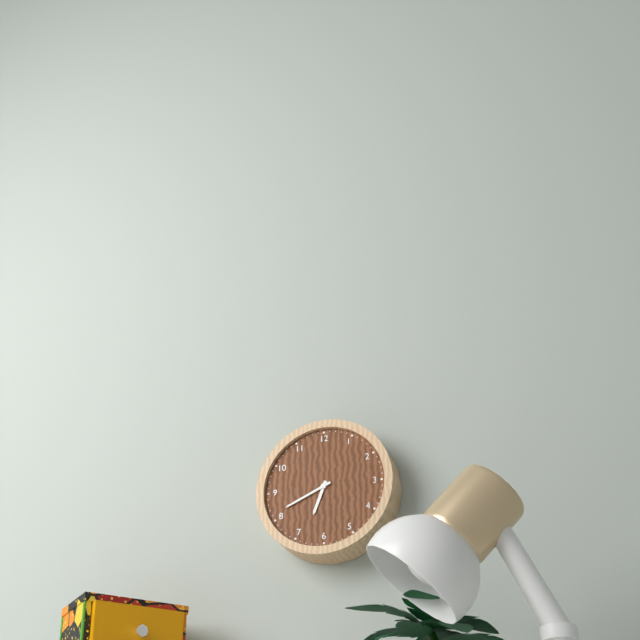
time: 6:41
